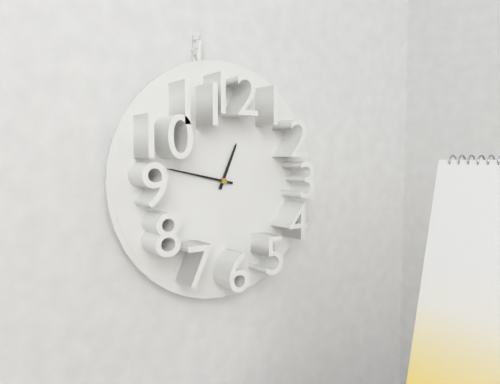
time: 12:47
